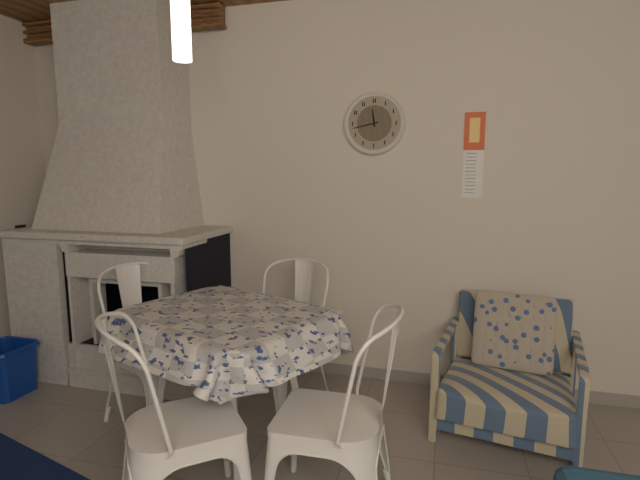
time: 11:43
